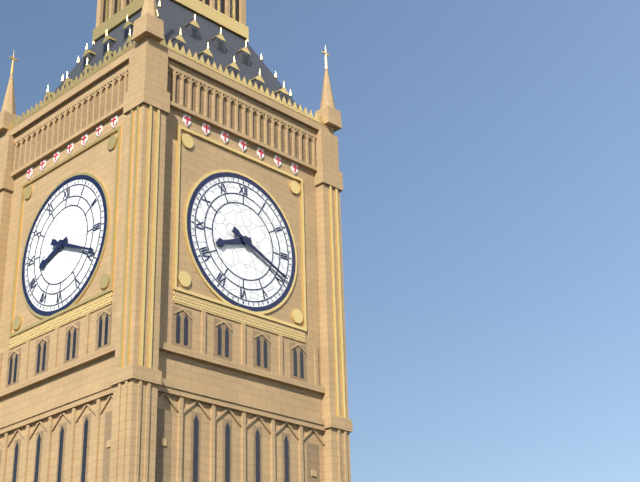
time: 8:19
